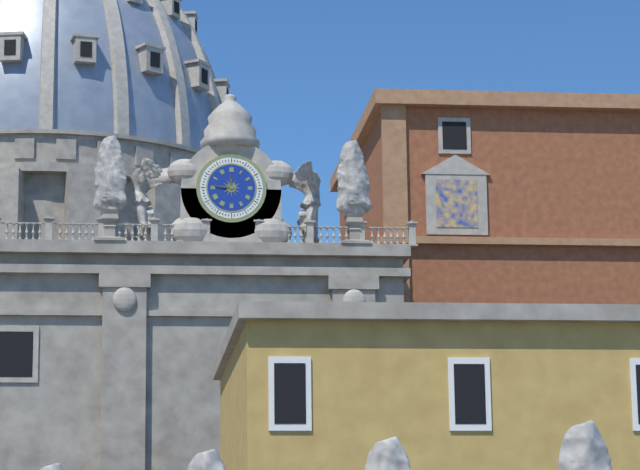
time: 11:46
